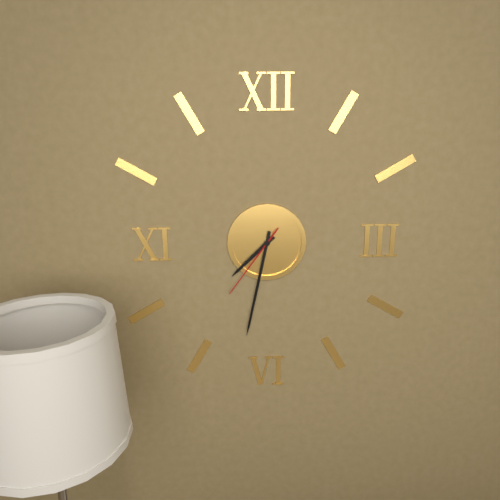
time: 7:32:36
